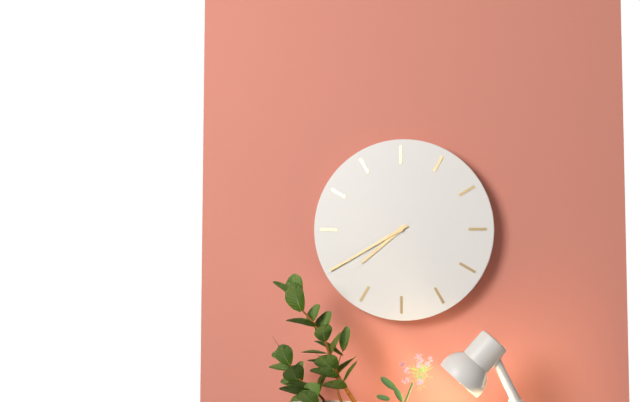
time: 7:40
